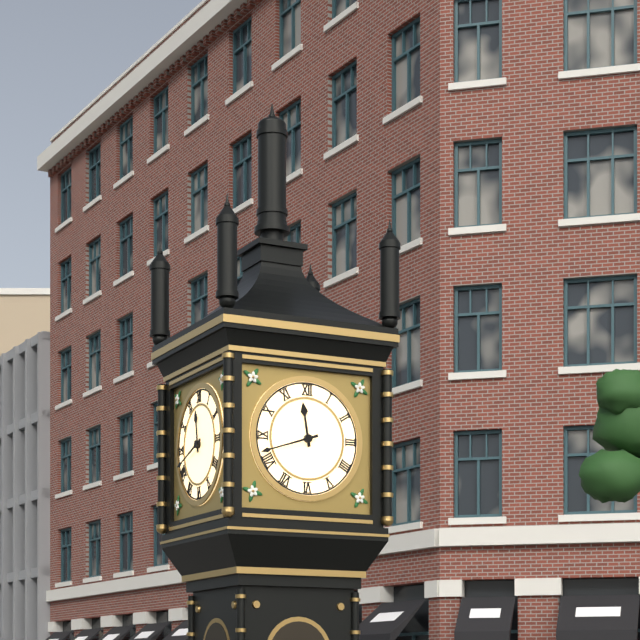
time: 11:42
